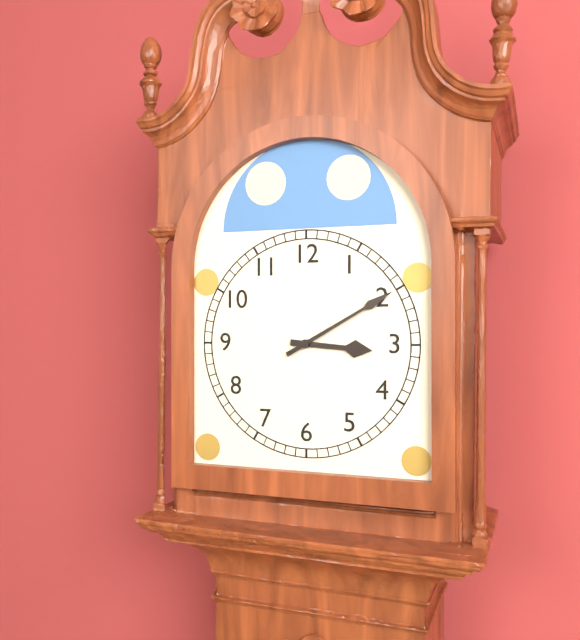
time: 3:10
